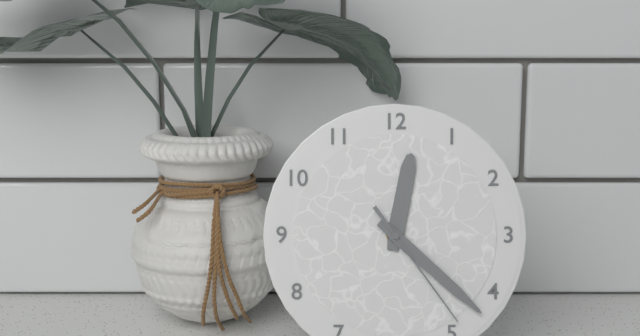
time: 12:22:24
